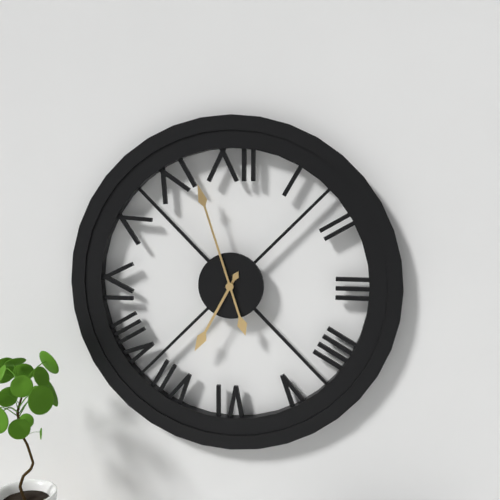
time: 6:57
